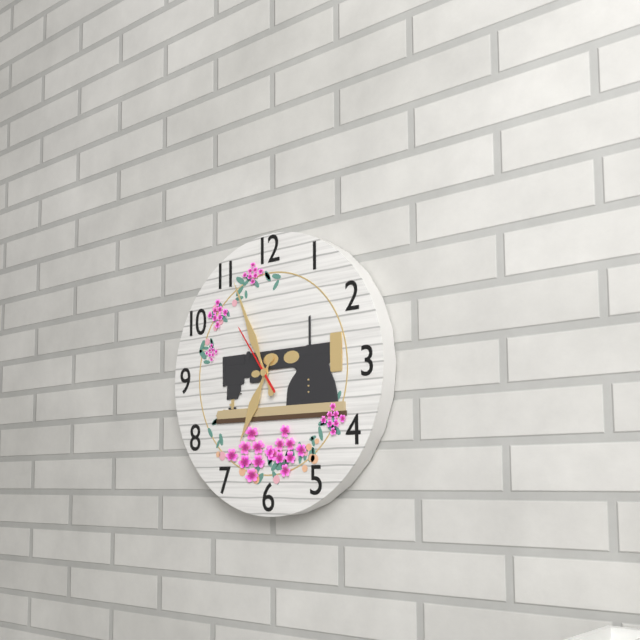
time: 6:56:54
